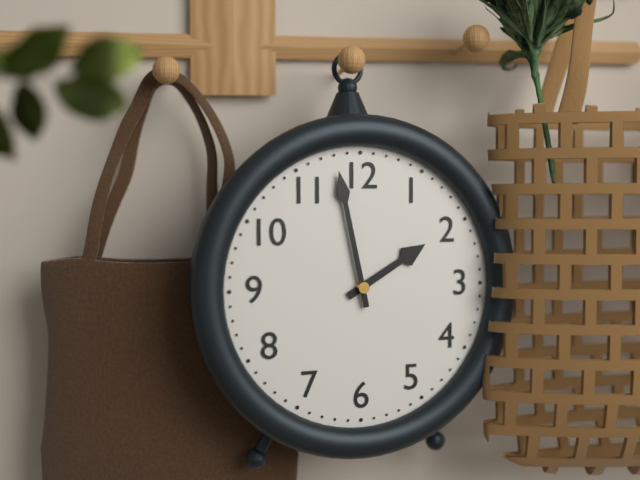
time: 1:58
